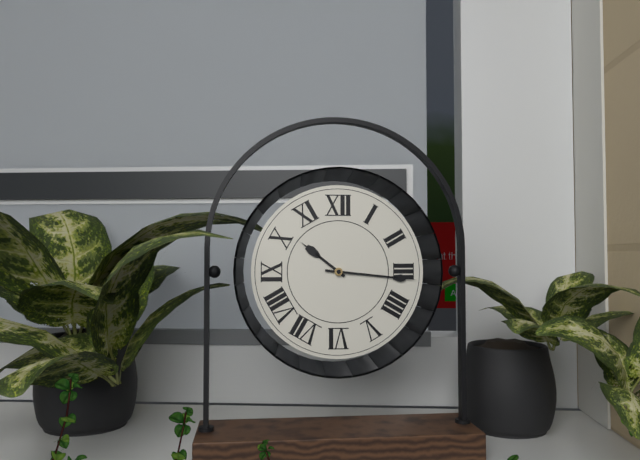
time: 10:16
